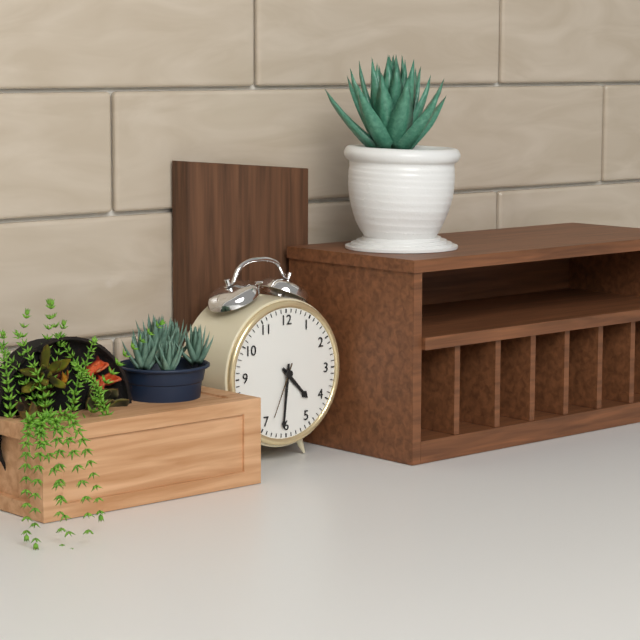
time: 4:31:34
